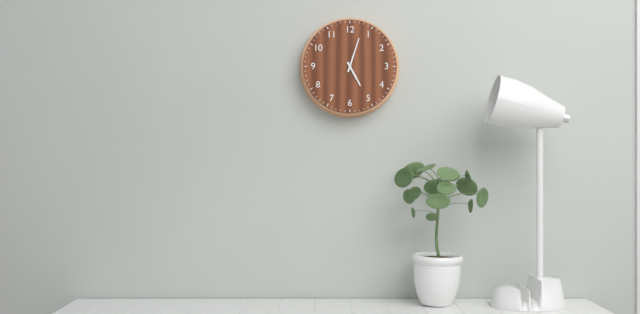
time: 5:03
